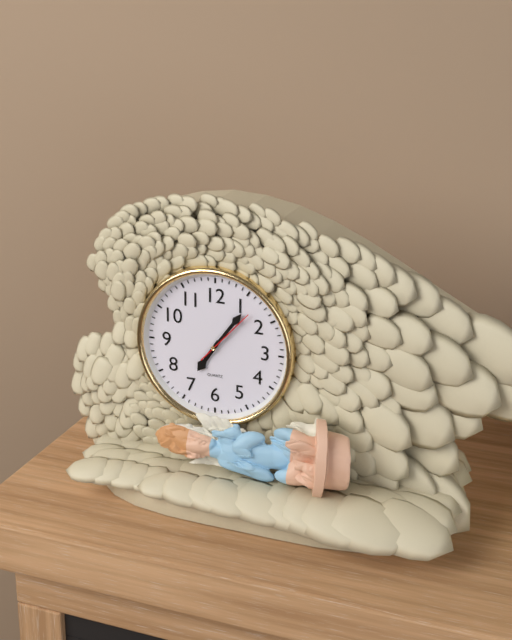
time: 7:06:07
